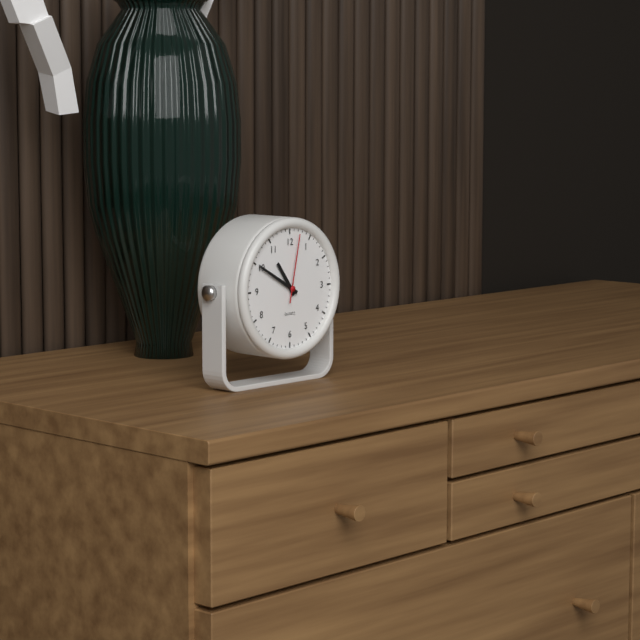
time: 10:50:02
